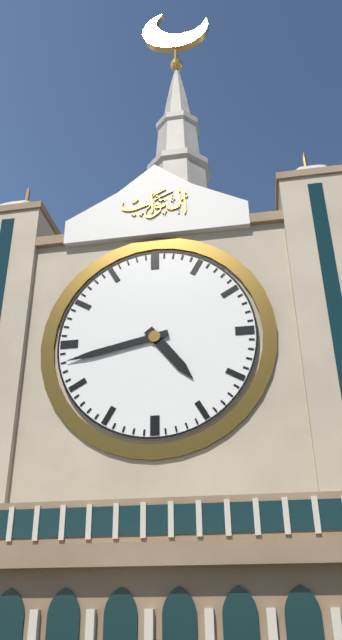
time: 4:43
